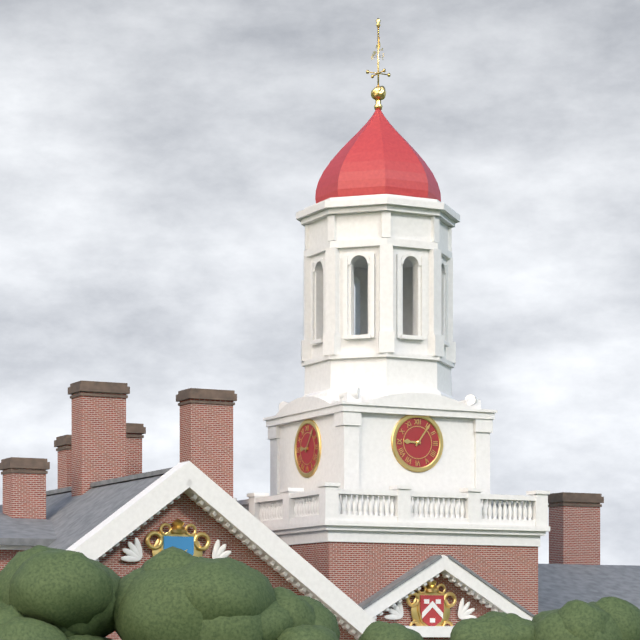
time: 9:06
